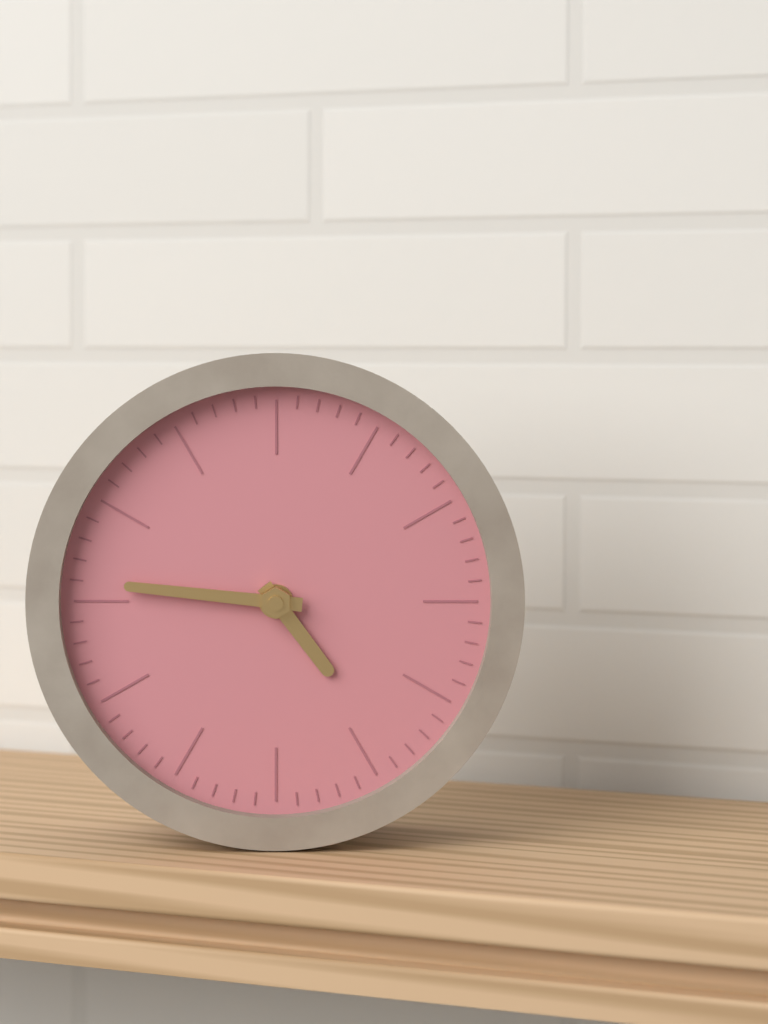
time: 4:46
